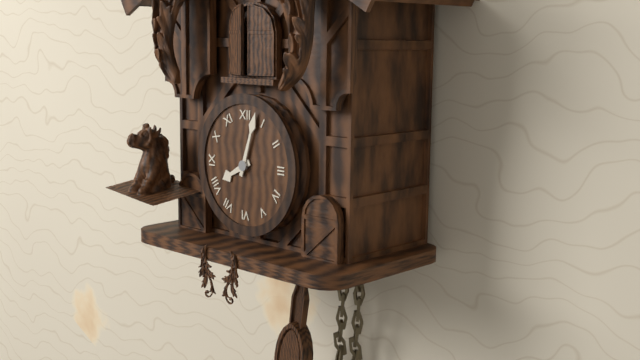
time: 8:03
